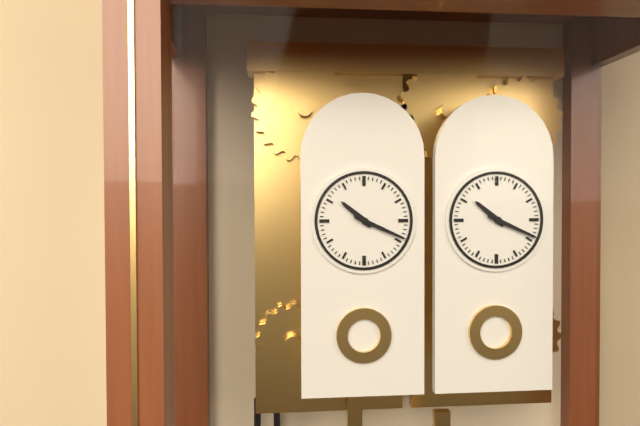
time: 10:19
